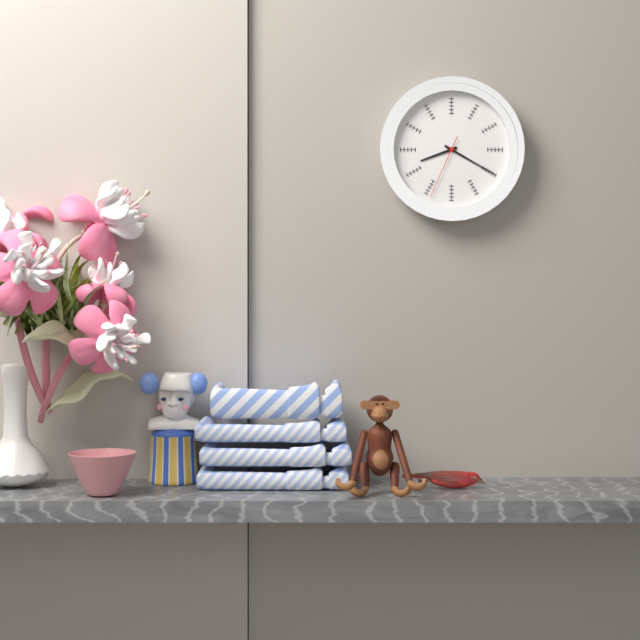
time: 8:20:34
